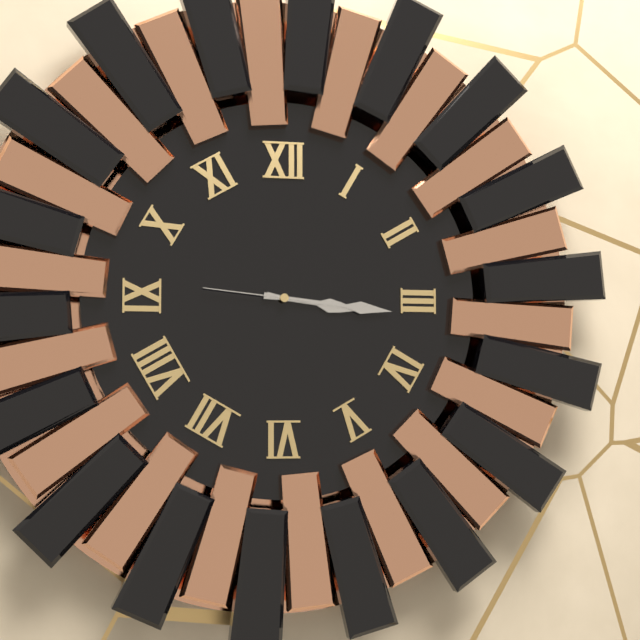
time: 3:16:46
